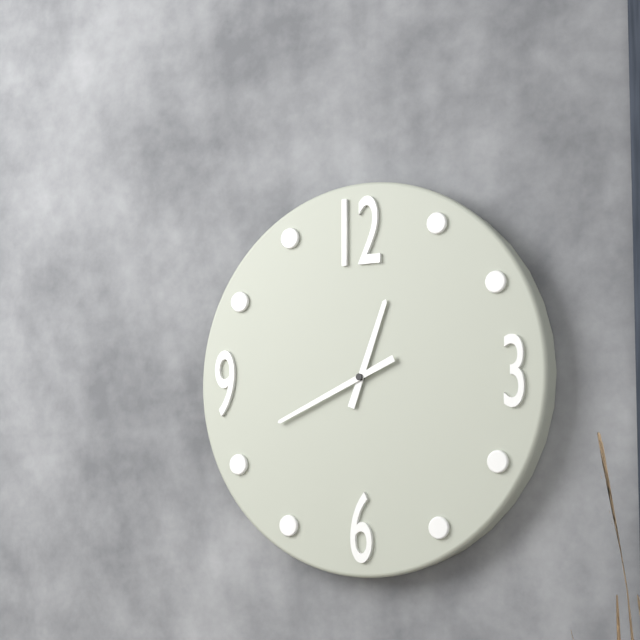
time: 12:41
